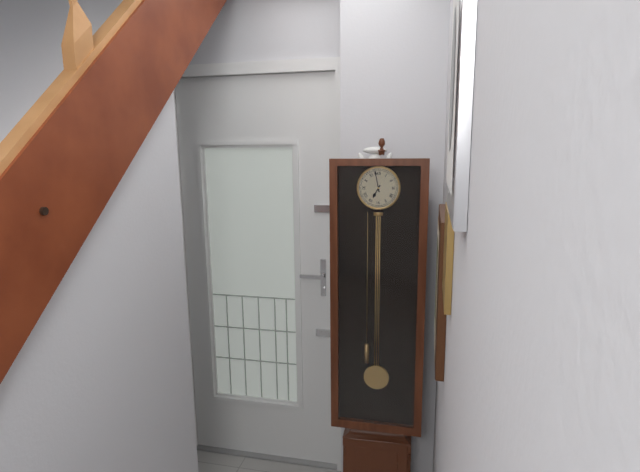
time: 6:58
